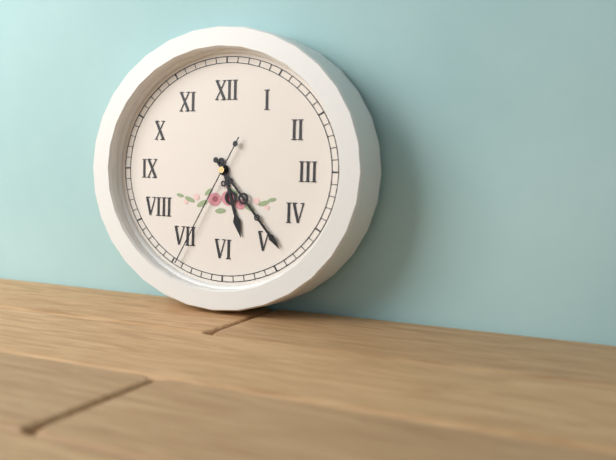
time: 5:23:35
